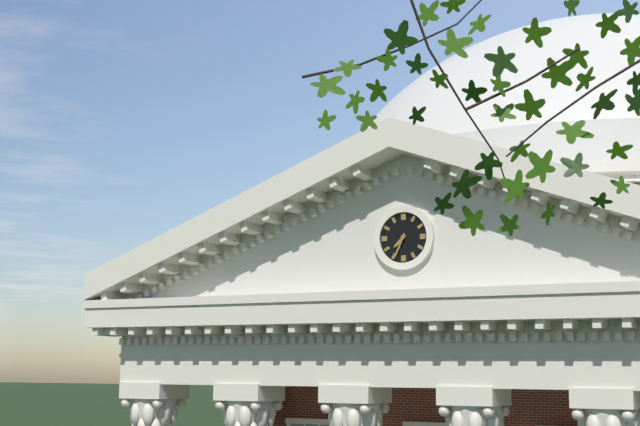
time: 7:34
